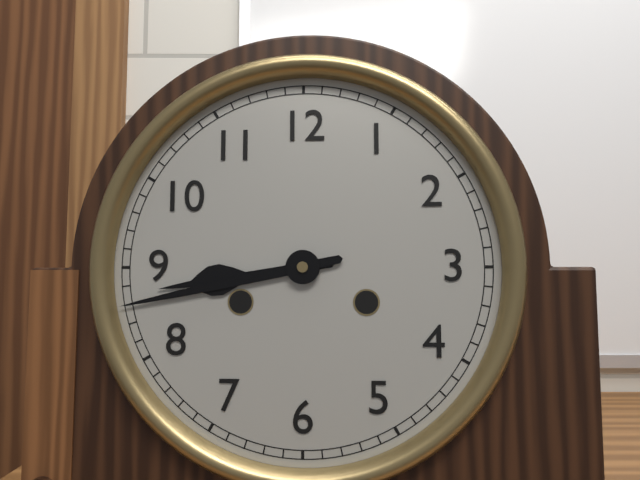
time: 8:43
